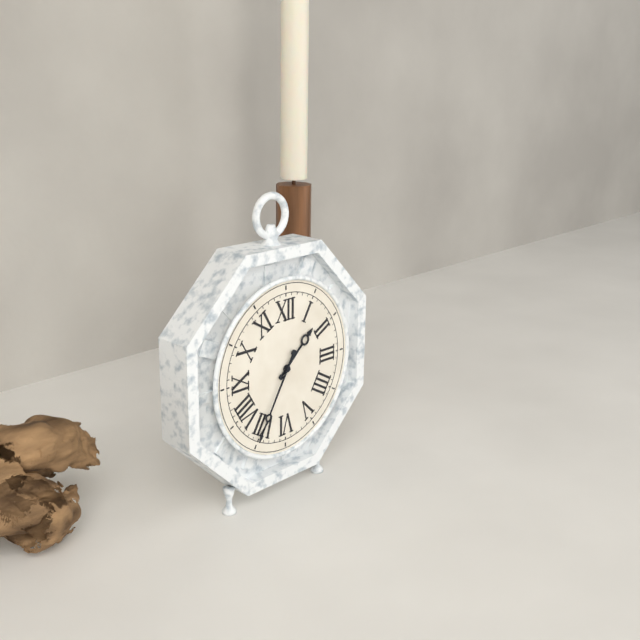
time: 1:35
